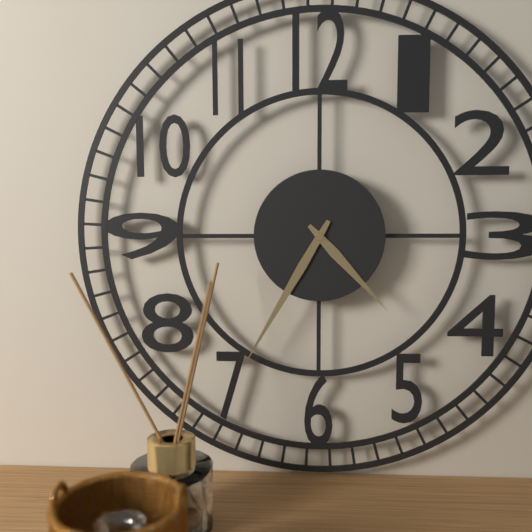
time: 4:35
